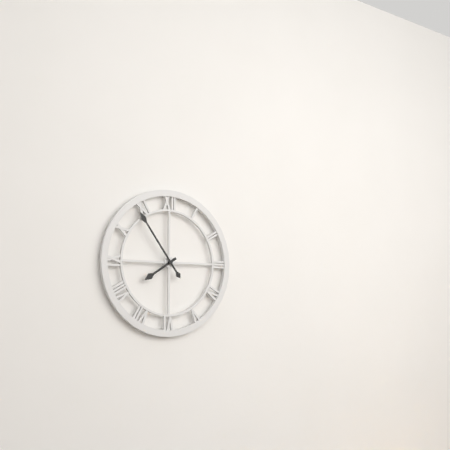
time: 7:54
